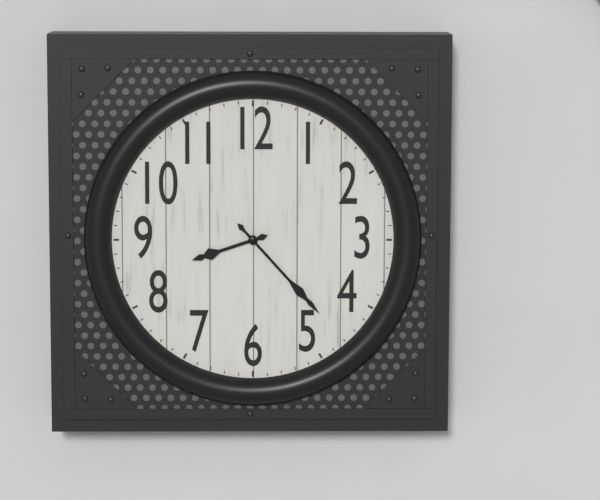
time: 8:23
